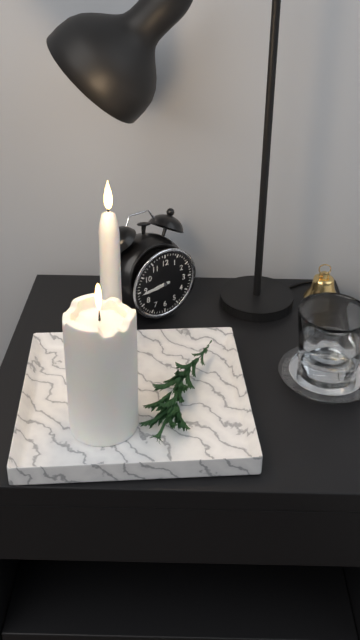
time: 8:44
